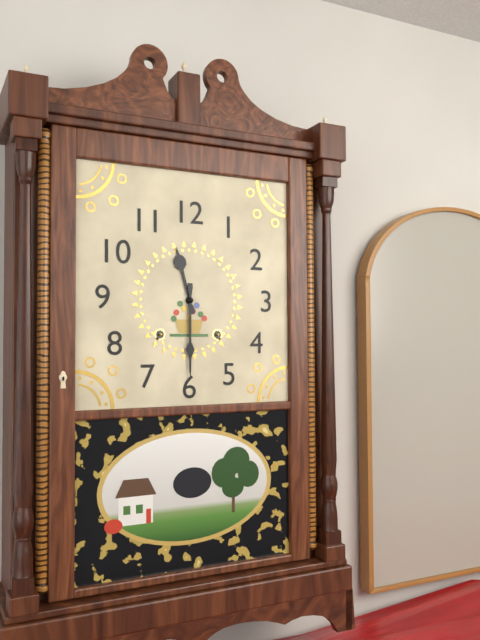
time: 11:30
